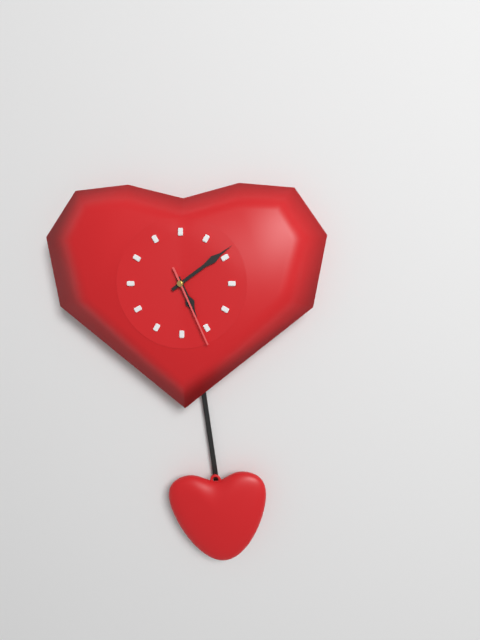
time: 5:09:26
